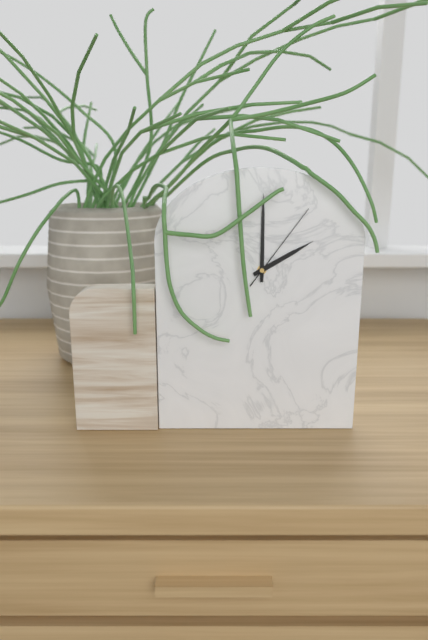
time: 2:00:06
